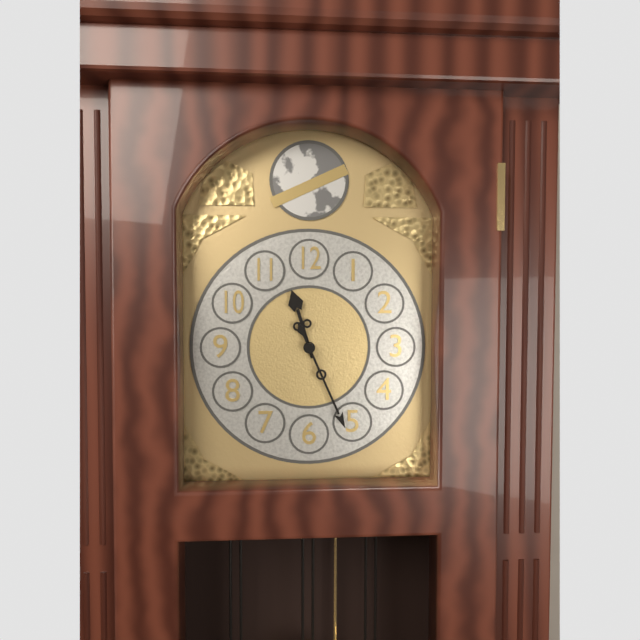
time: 11:26
